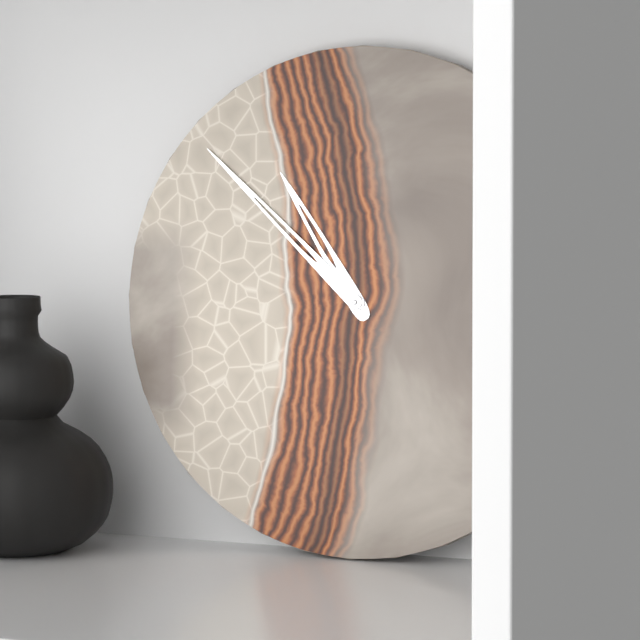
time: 10:52
